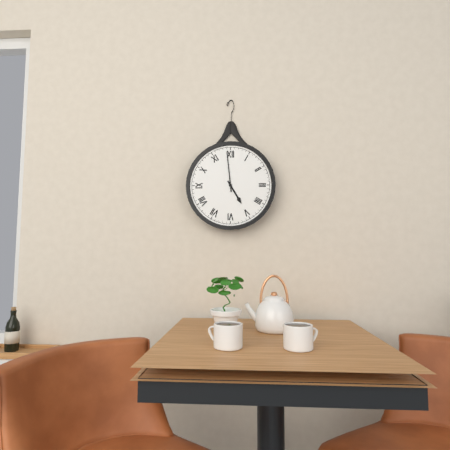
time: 4:59
